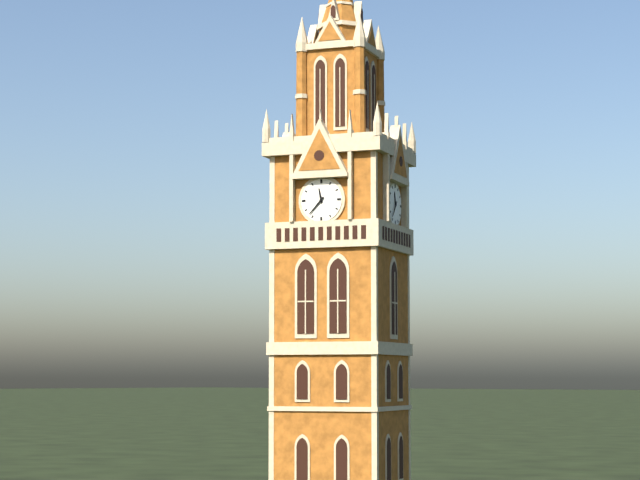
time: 11:37
